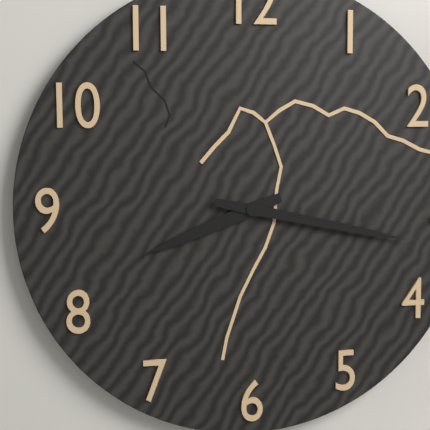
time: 8:17
